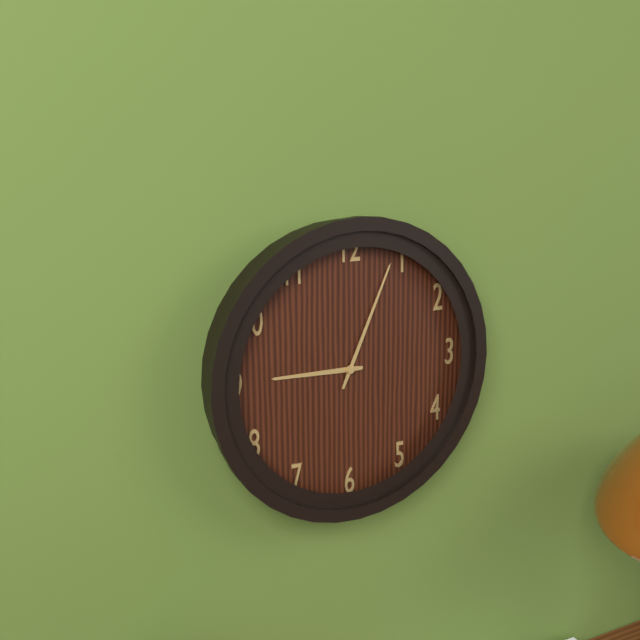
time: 9:04
